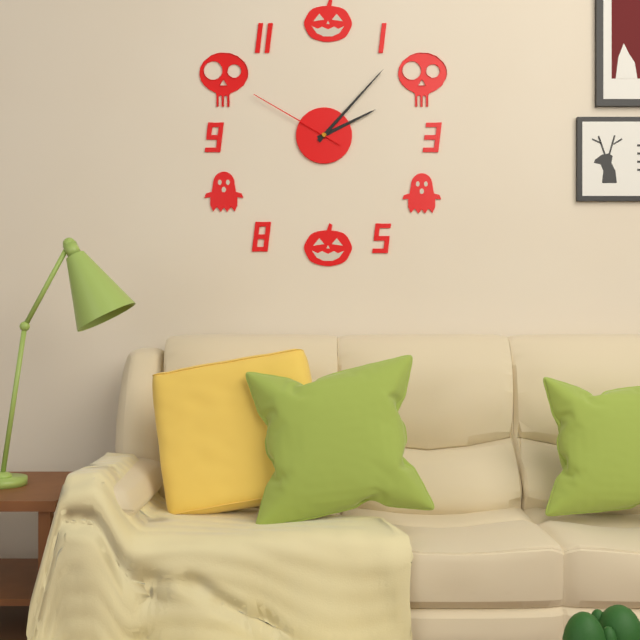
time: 2:07:50
